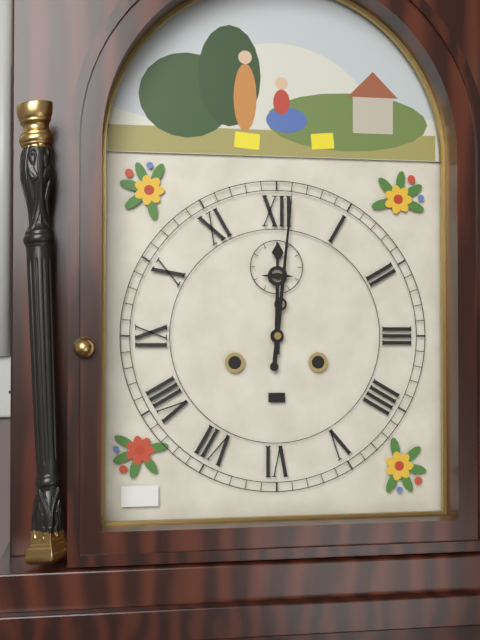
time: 12:01
